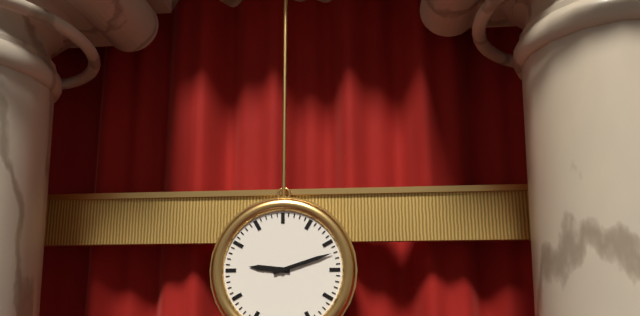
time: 9:12
